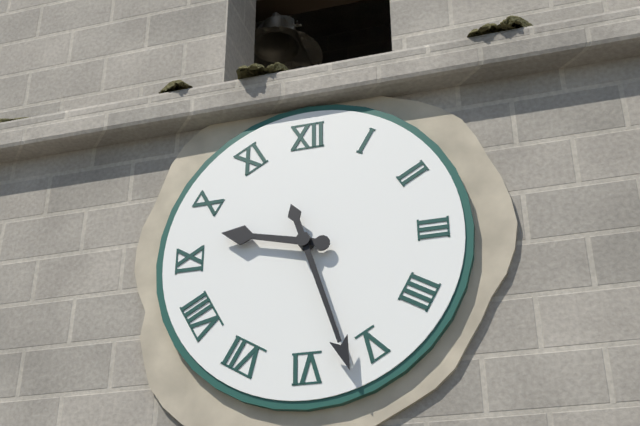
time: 9:27
